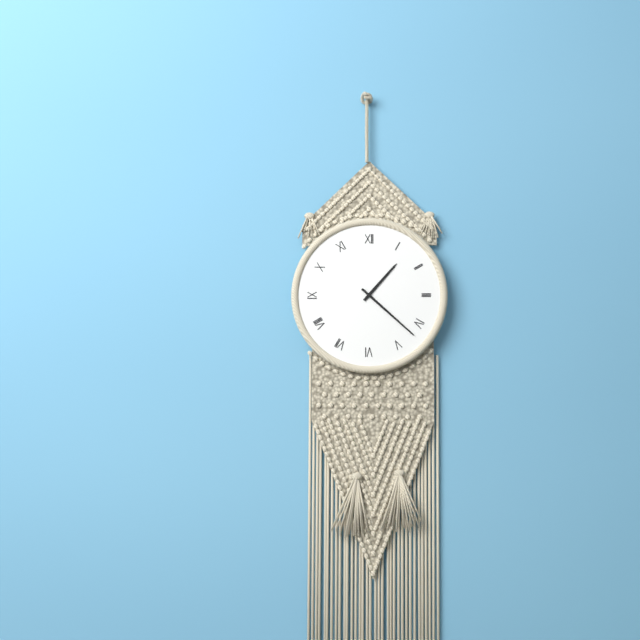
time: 1:22
